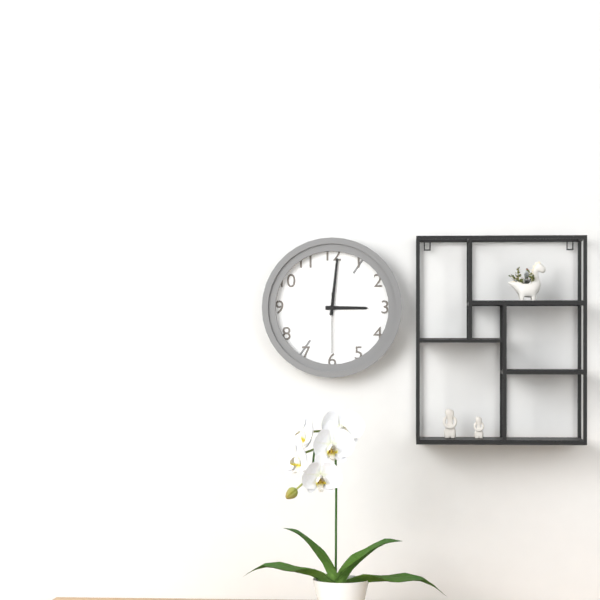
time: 3:01:30
